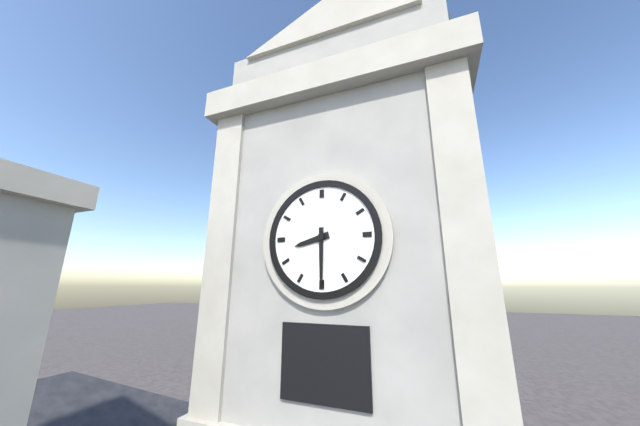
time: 8:30
